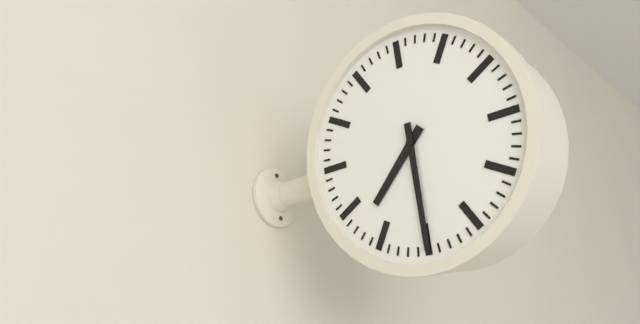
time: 7:30
